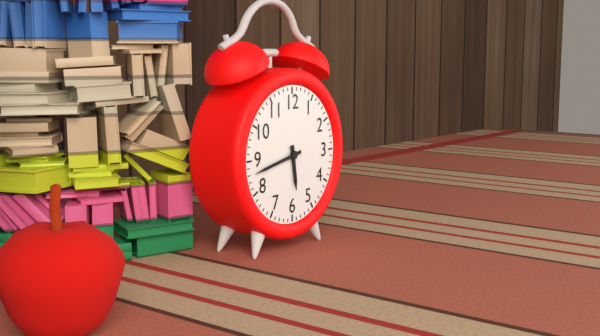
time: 5:43
